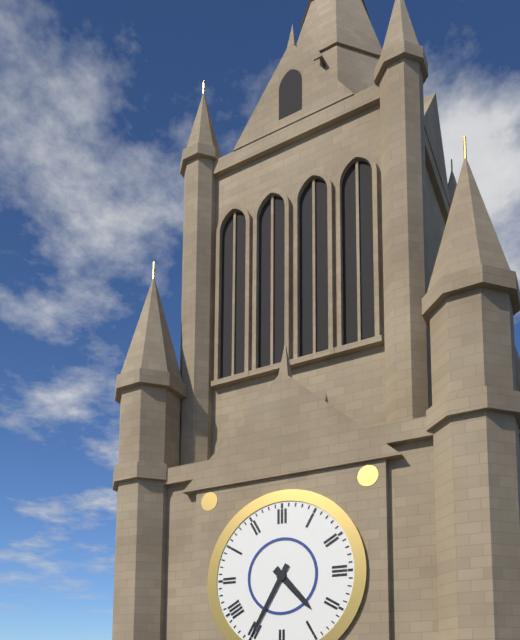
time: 4:35
